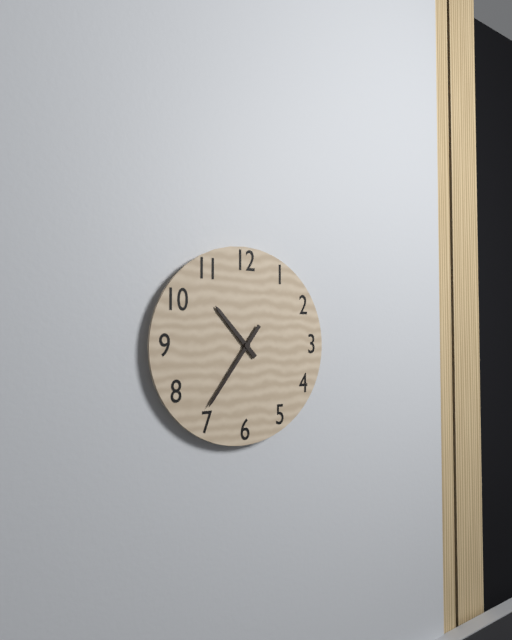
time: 10:36
